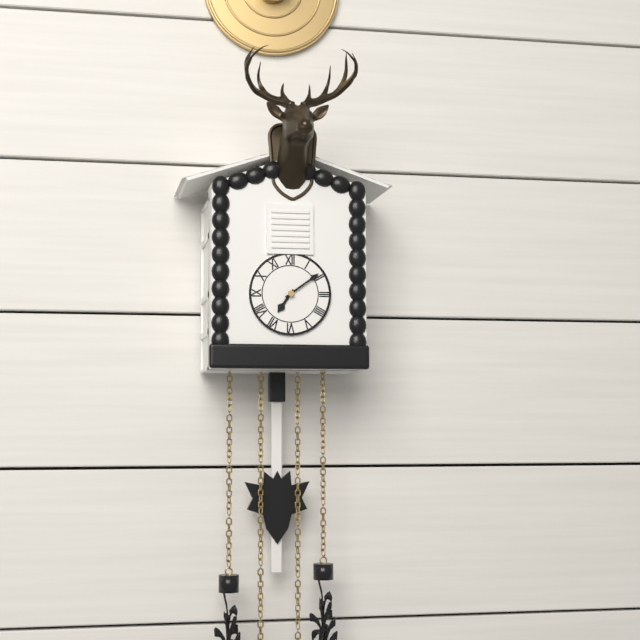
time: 7:09
